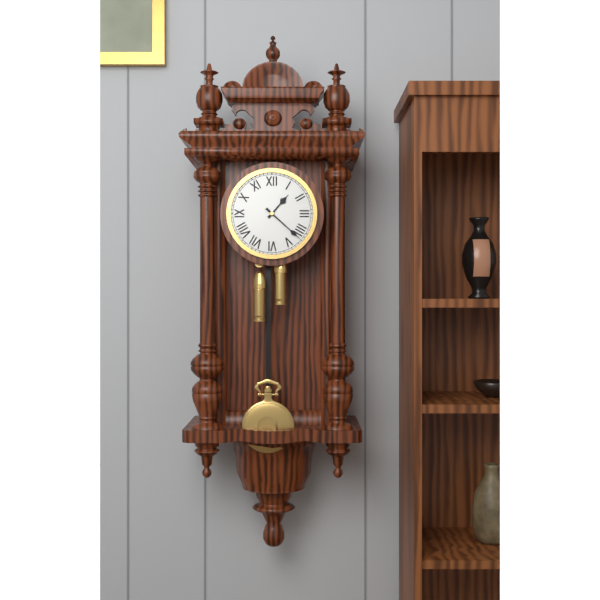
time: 1:22
